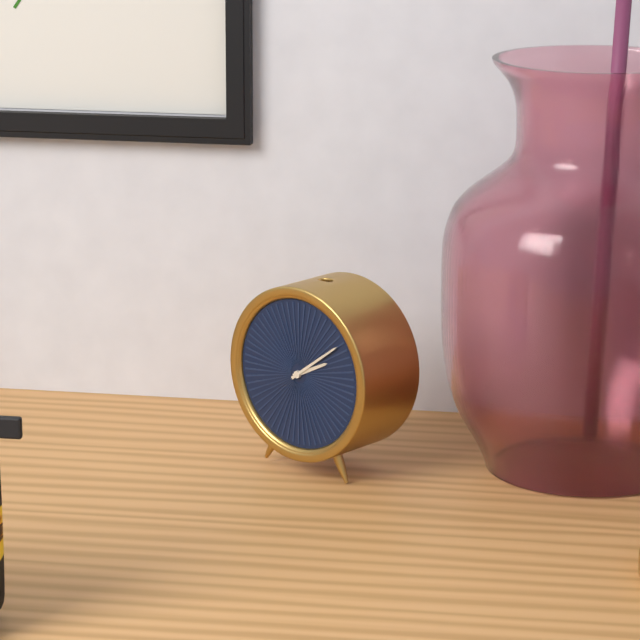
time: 2:09
